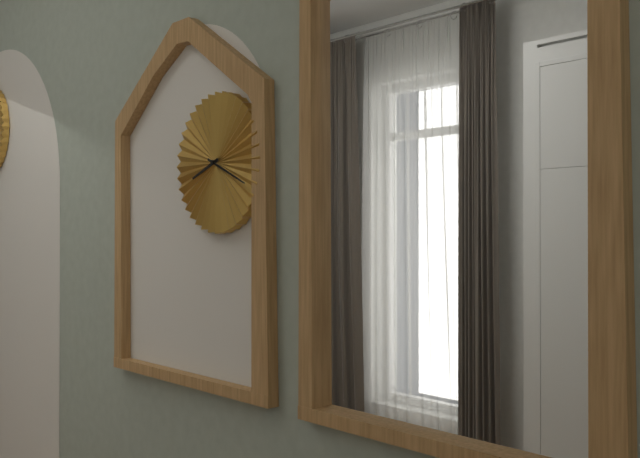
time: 8:19
